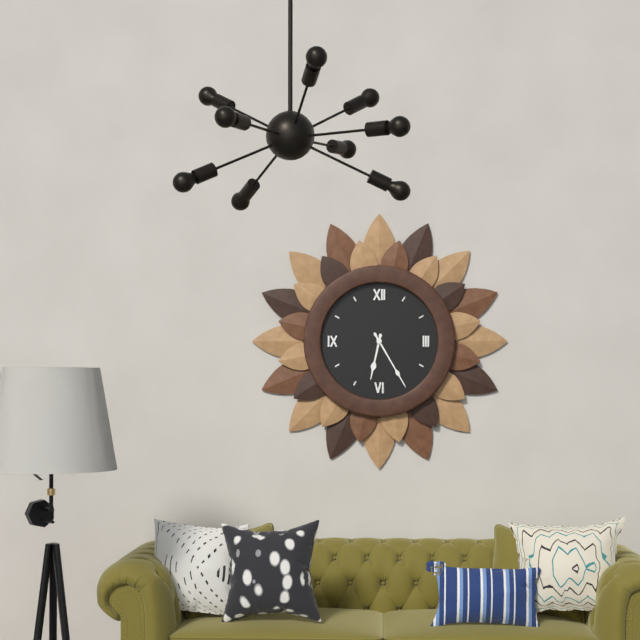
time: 6:25
